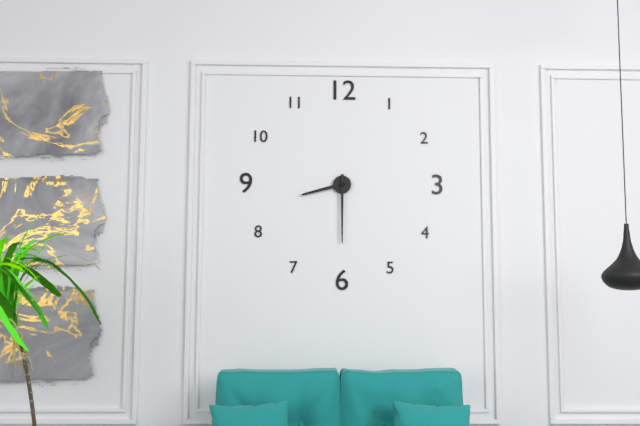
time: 8:30
